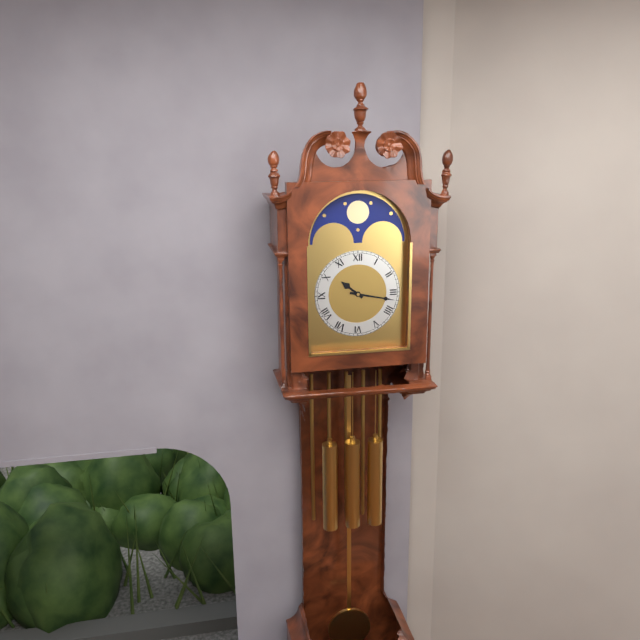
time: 10:17
